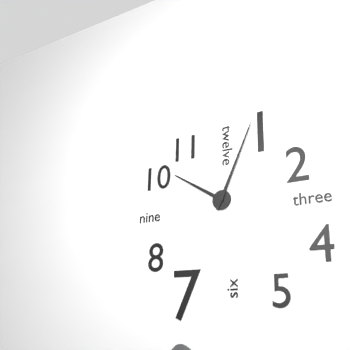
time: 10:04
